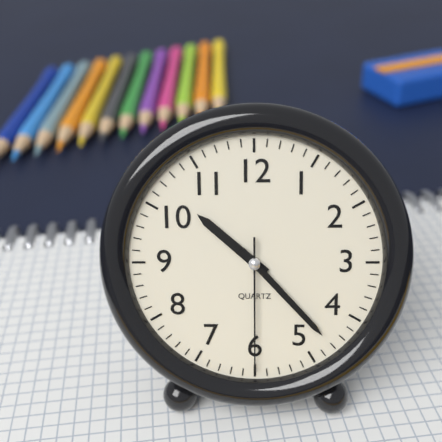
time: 10:23:30
